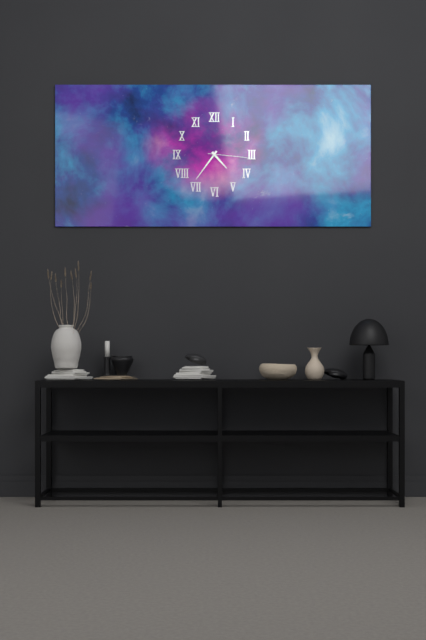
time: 4:36
